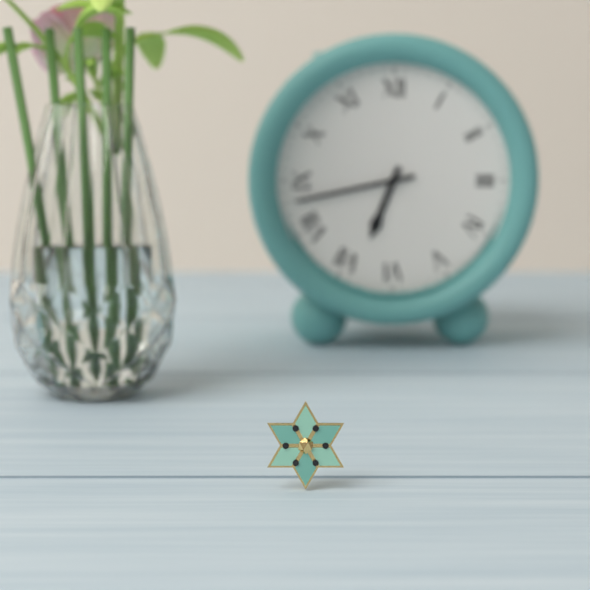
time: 6:43
